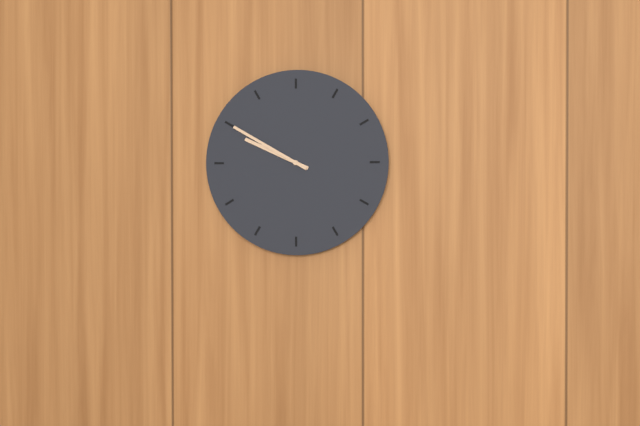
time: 9:50
